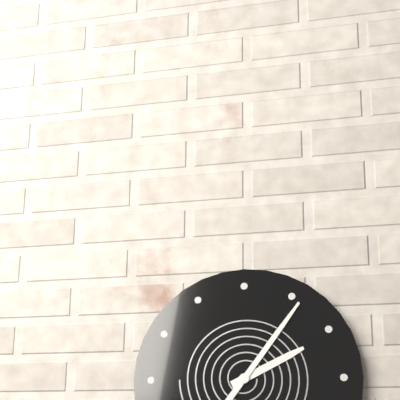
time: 2:06
